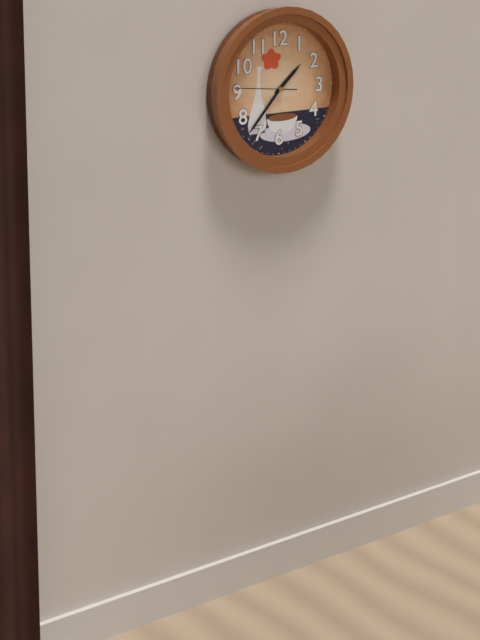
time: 1:37:46
